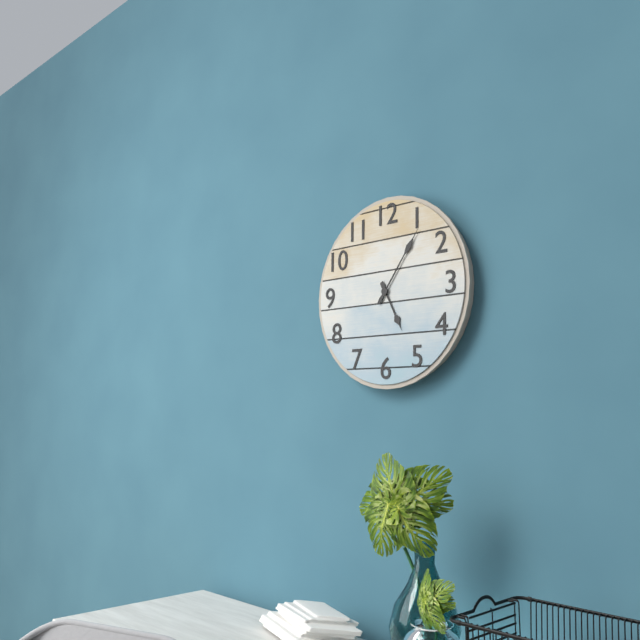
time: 5:06
